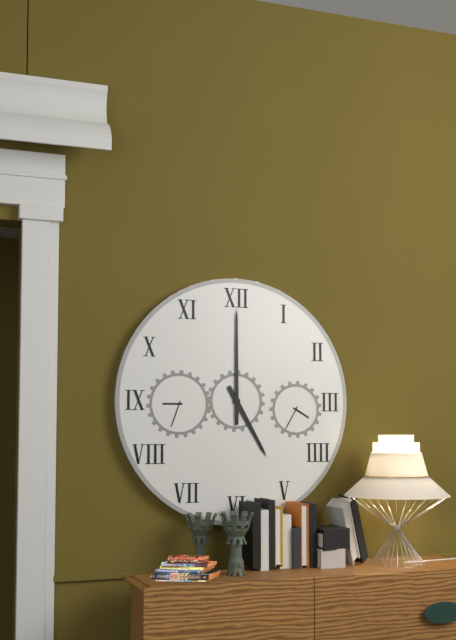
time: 5:00
